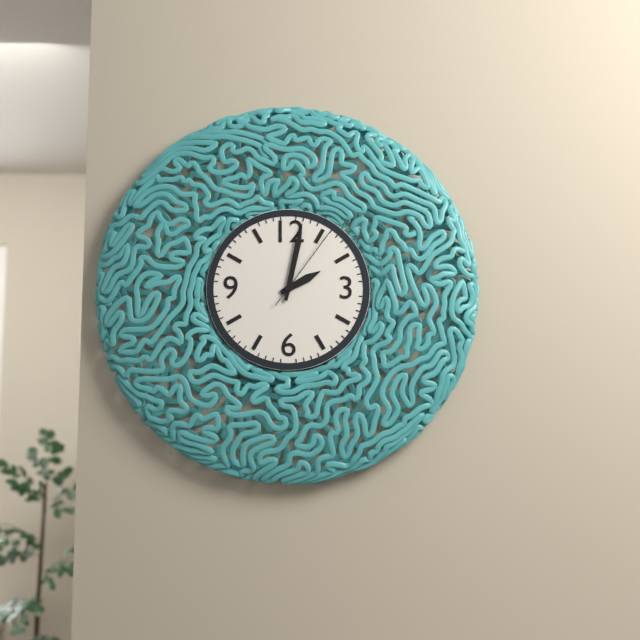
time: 2:02:06
